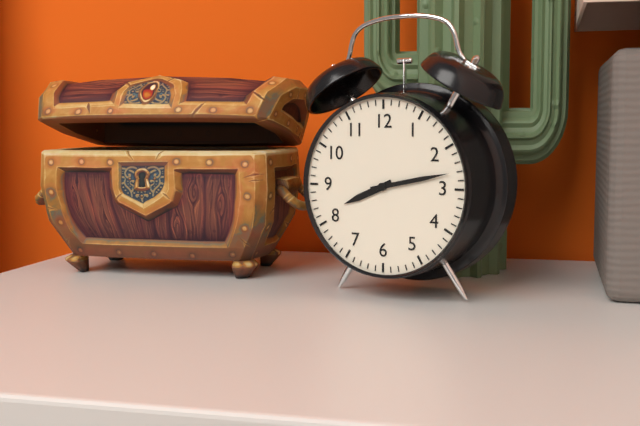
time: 8:13
